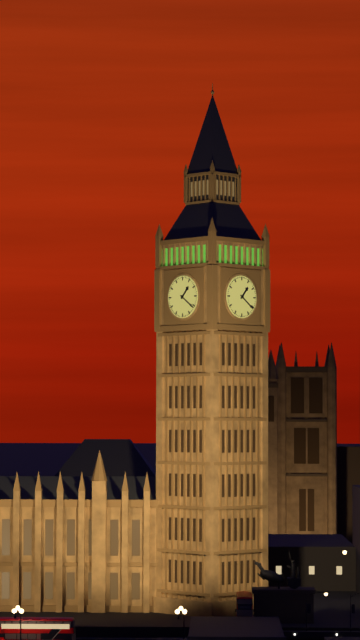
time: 1:21
